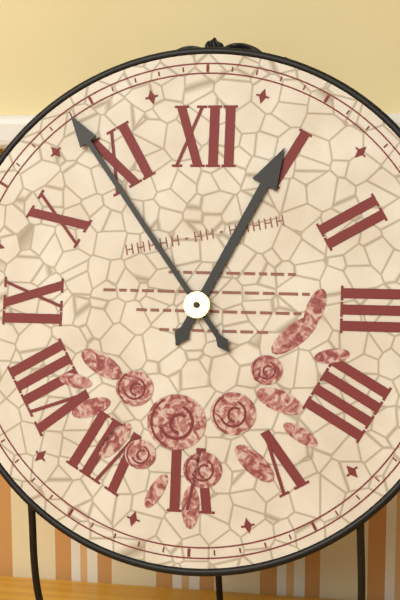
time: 12:54
